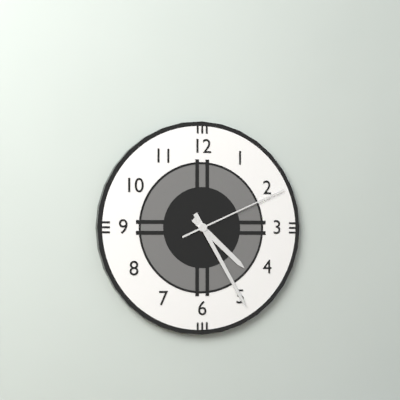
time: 4:25:11
